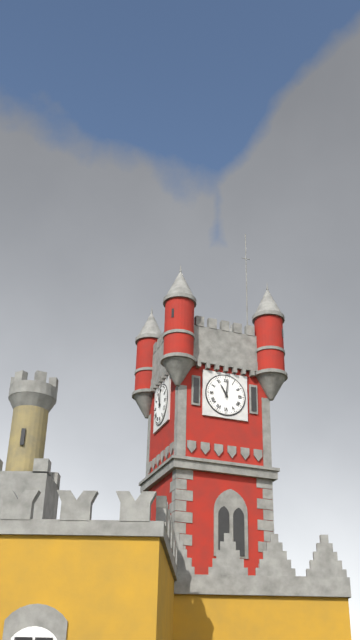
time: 11:01
